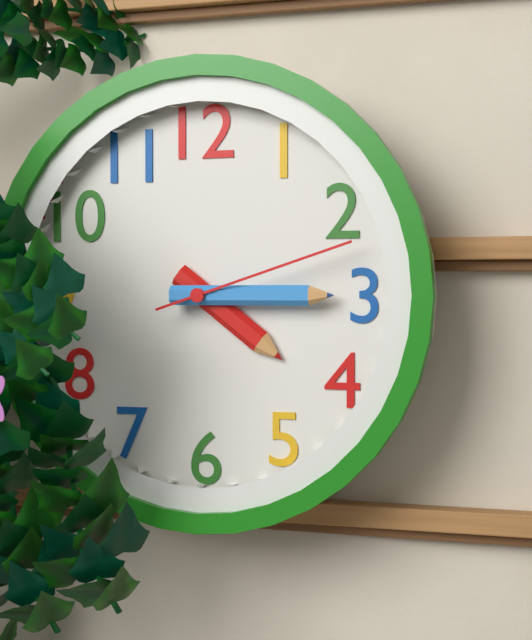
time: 4:15:12
